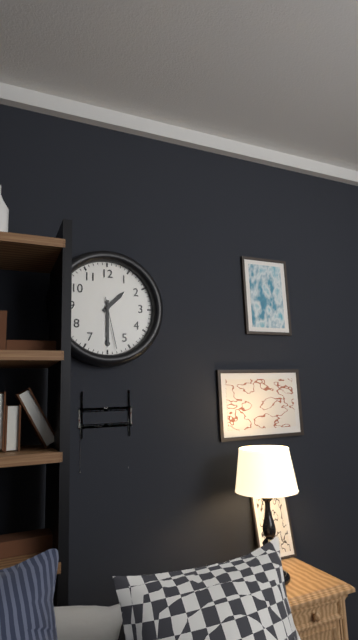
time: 1:30:28
